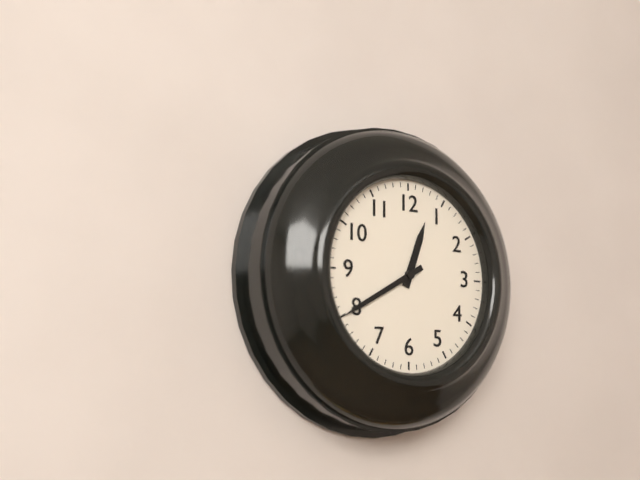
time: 12:40
